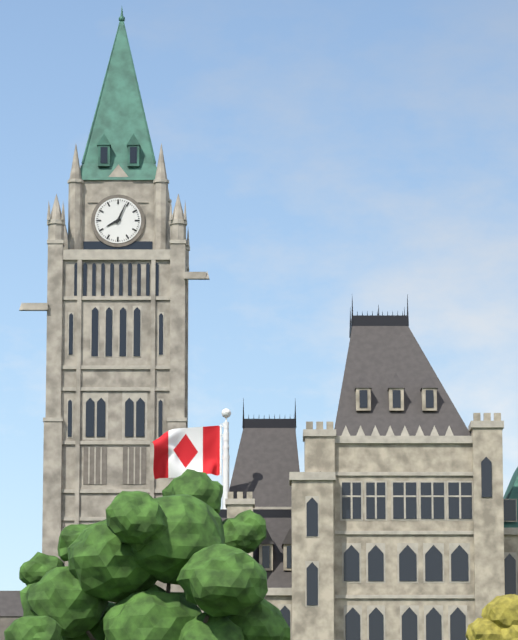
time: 8:04
